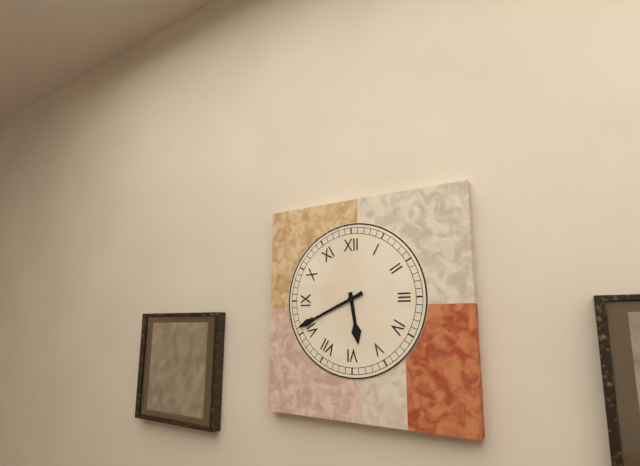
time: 5:41
